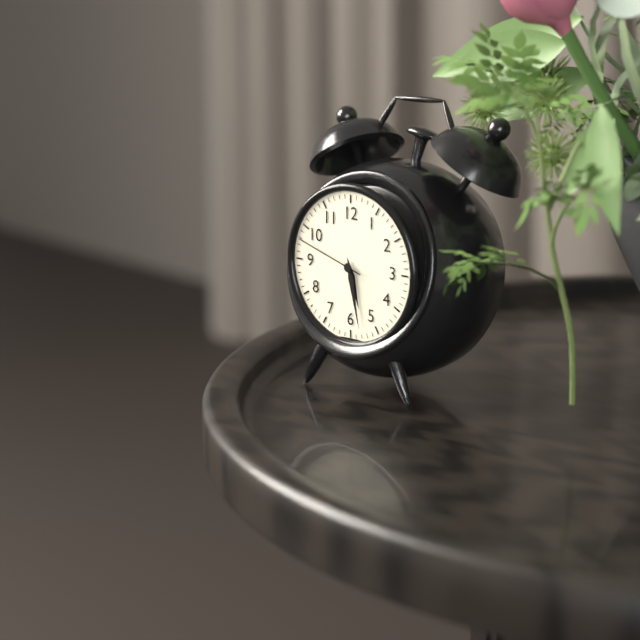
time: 5:28:48
